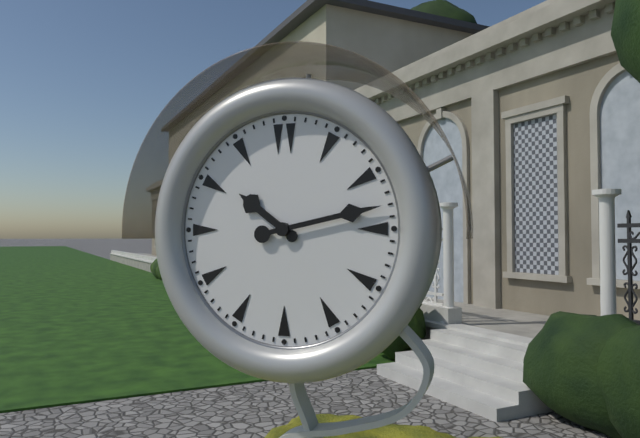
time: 10:13
